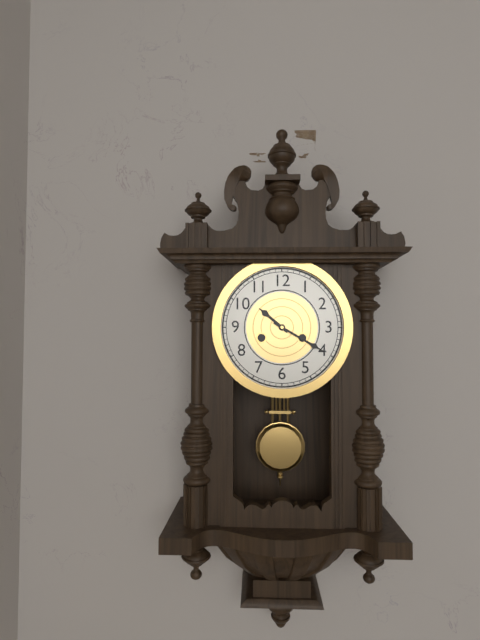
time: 10:20
